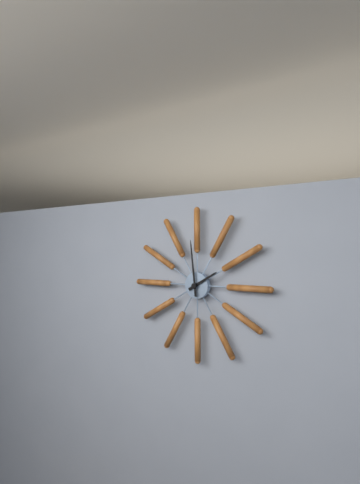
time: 1:59
